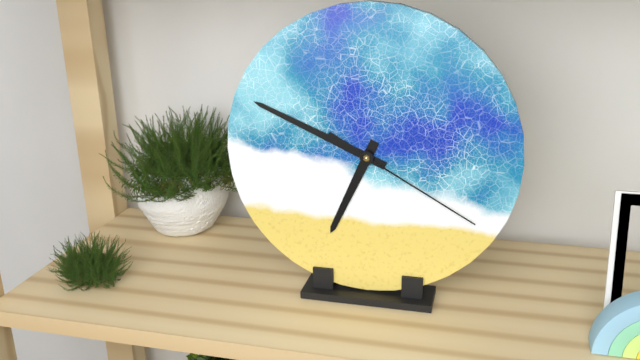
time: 6:49:20
